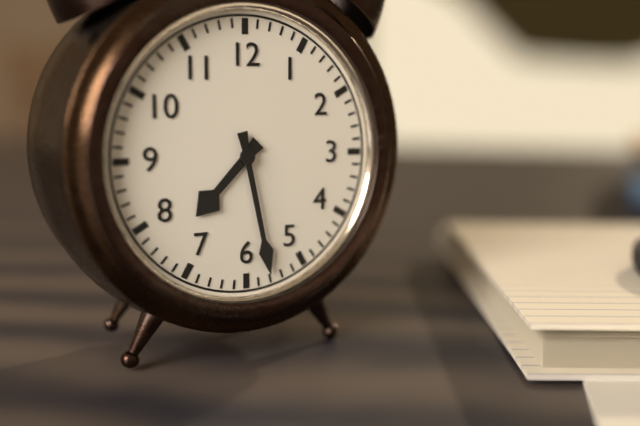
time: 7:28
